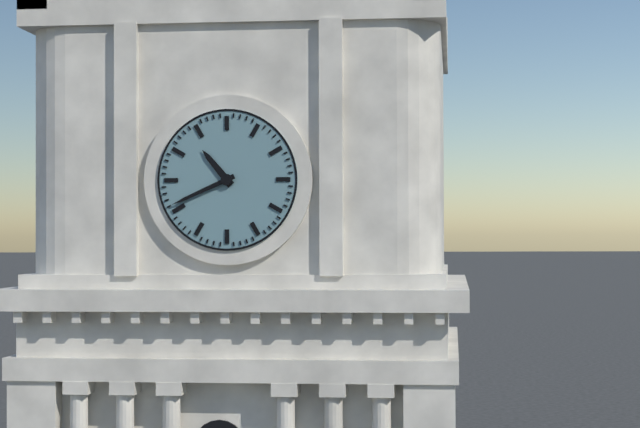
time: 10:41
